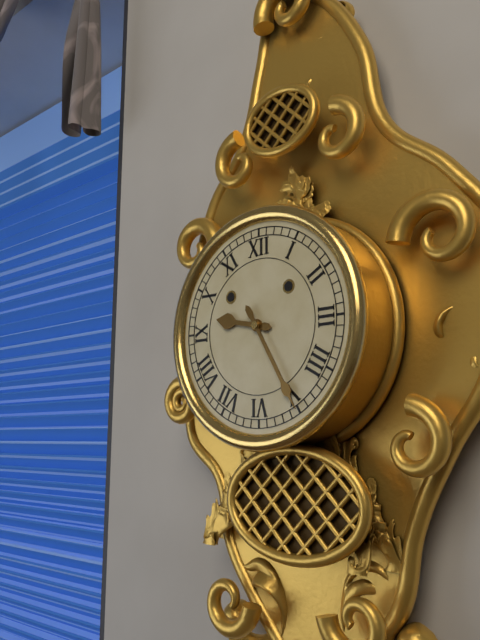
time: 9:25
